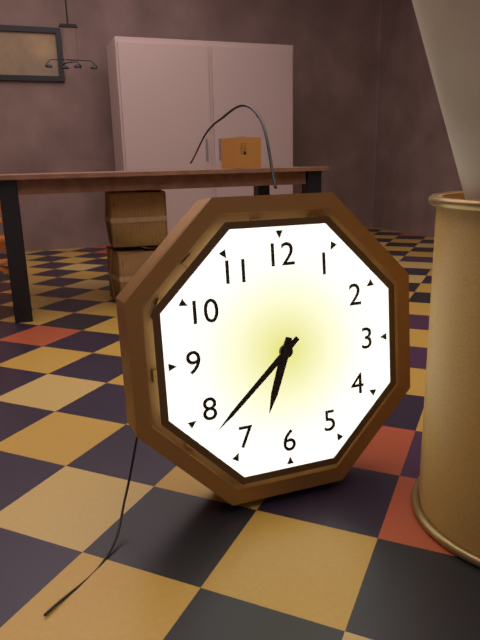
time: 6:38
